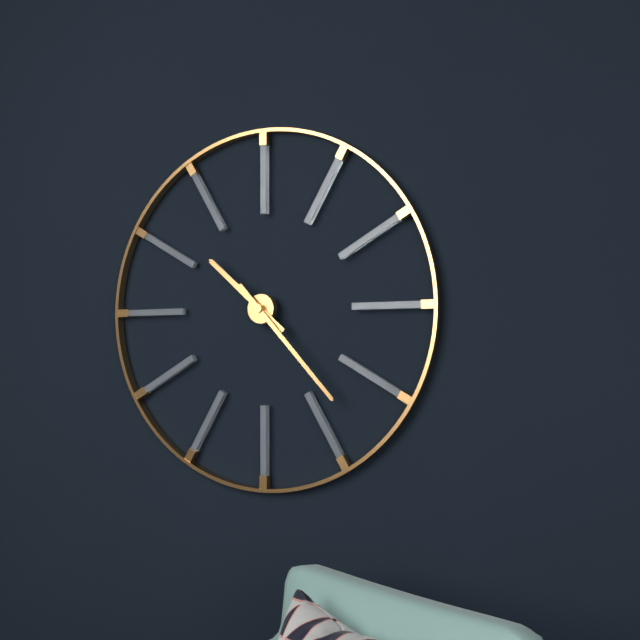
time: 10:23
